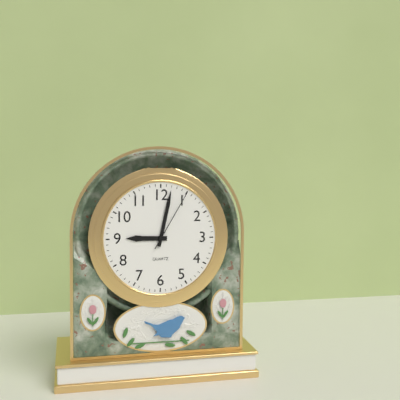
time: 9:02:05
